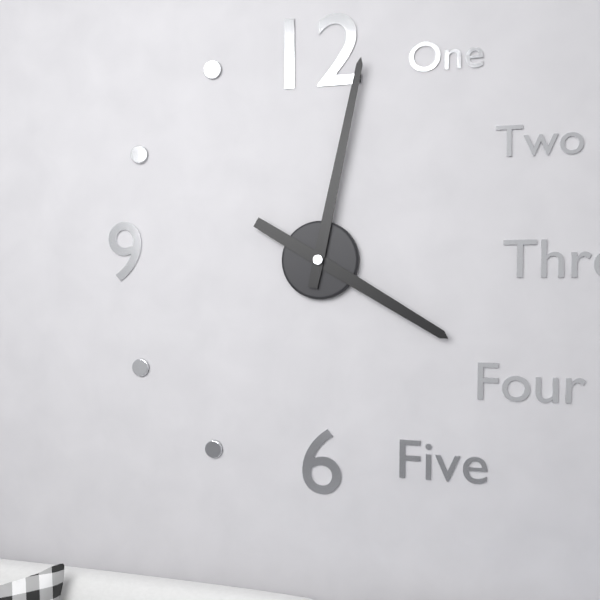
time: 4:02
